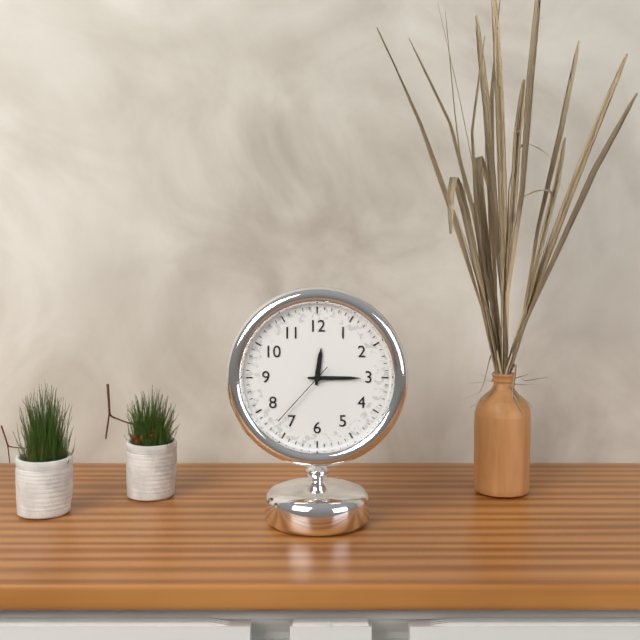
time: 12:15:37
